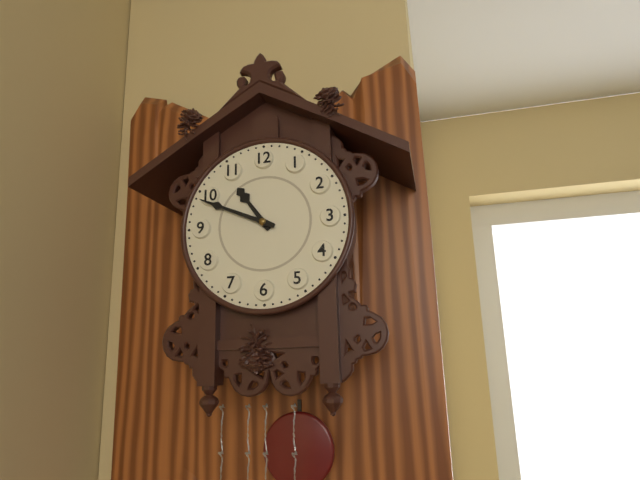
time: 10:49
